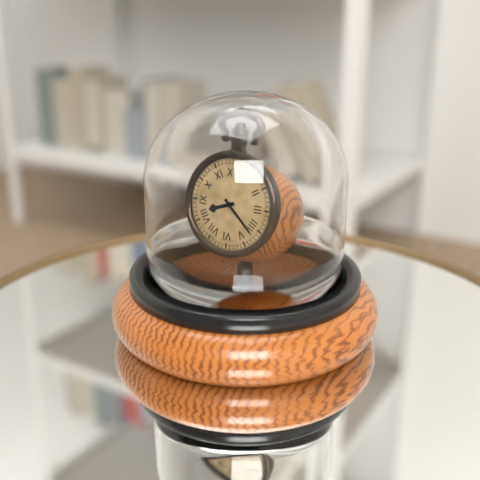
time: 8:22
